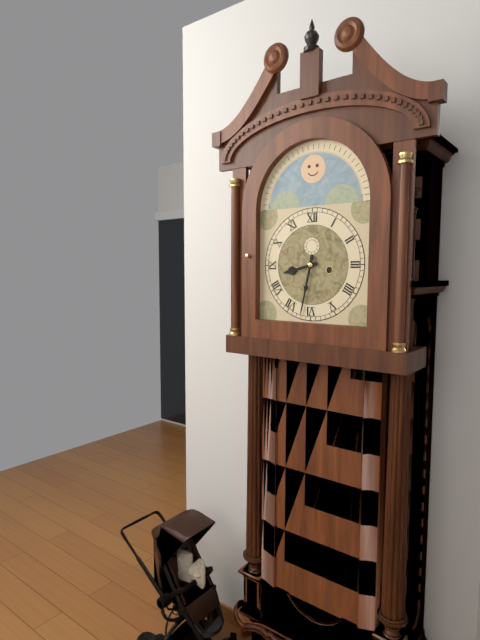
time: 8:32
